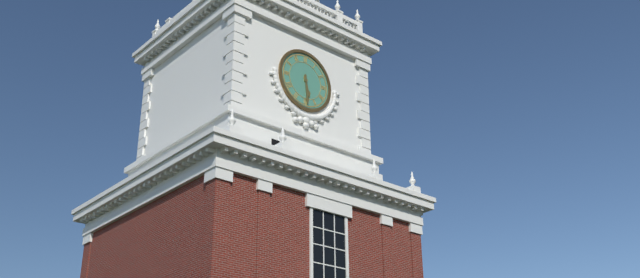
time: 5:29
